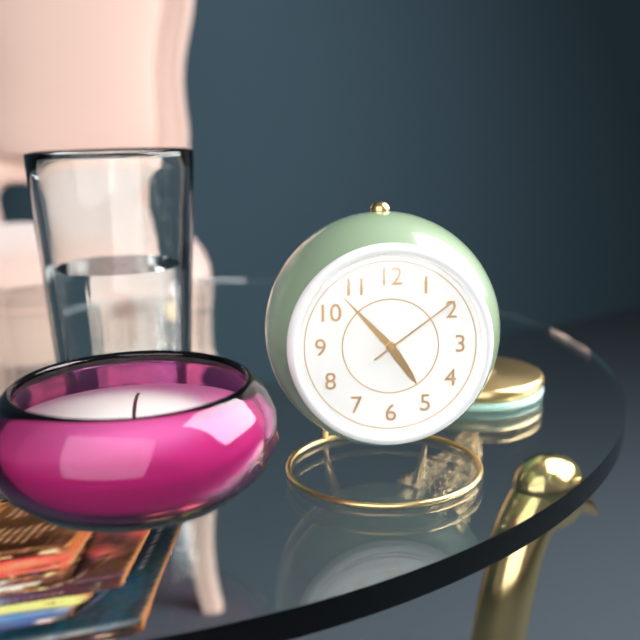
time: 4:53:09
